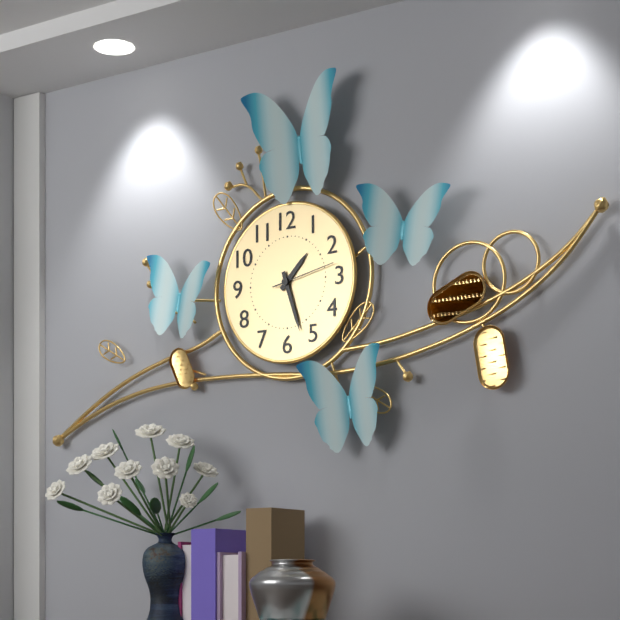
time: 1:27:13
